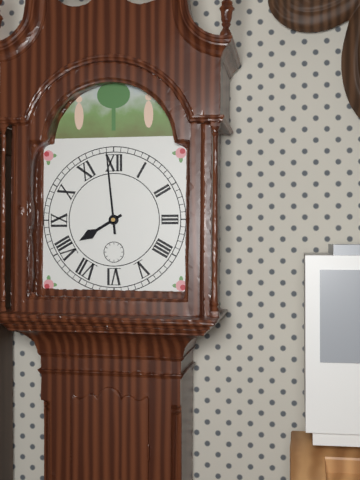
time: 7:59
